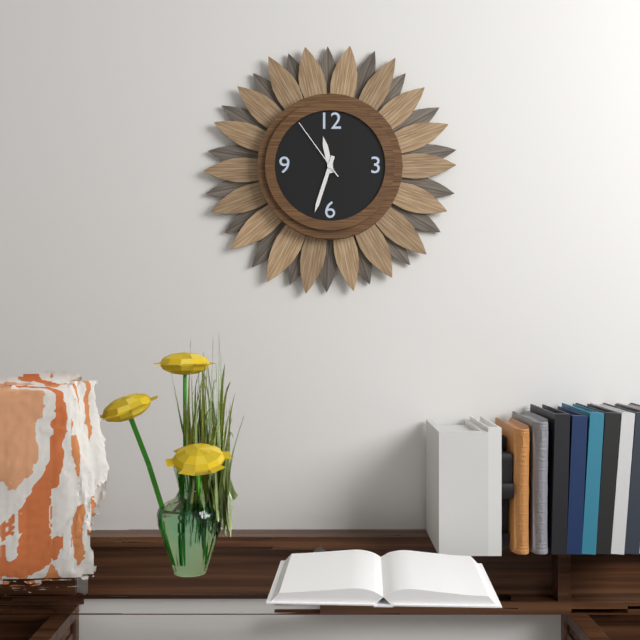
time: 11:33:54
